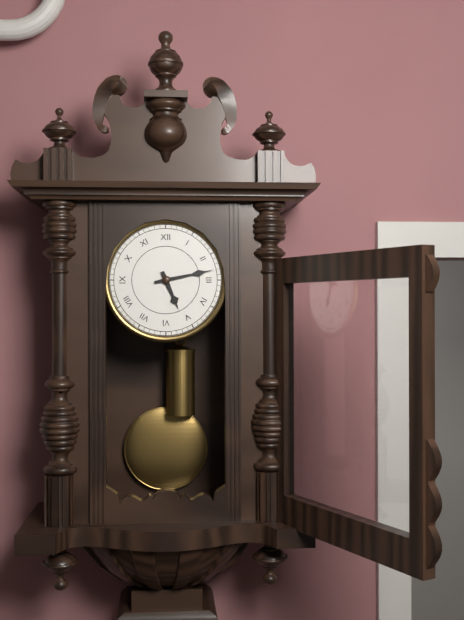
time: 5:13
